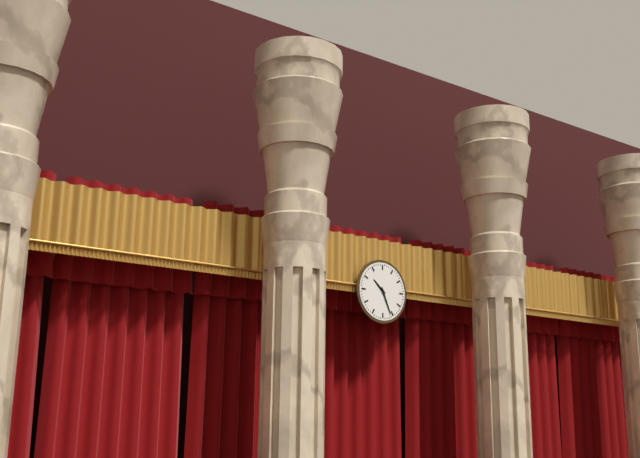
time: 10:26
